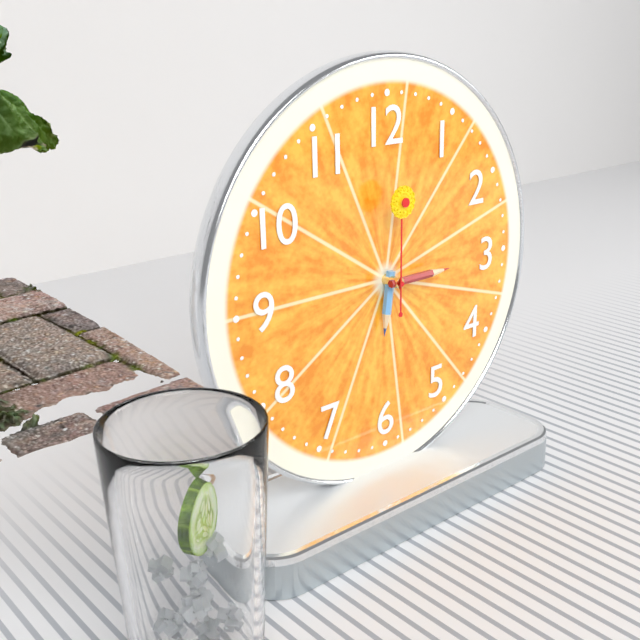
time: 6:15:00
